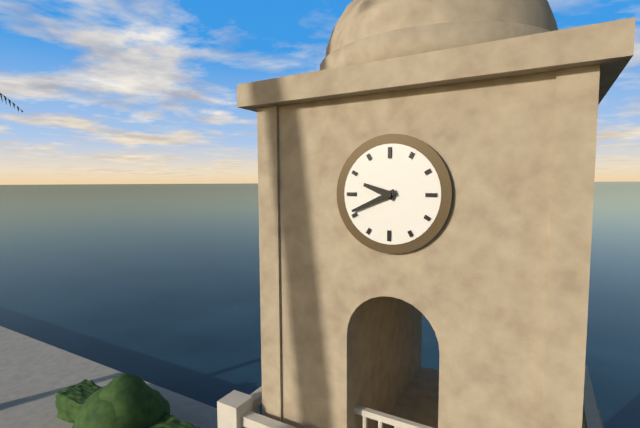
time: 9:41
